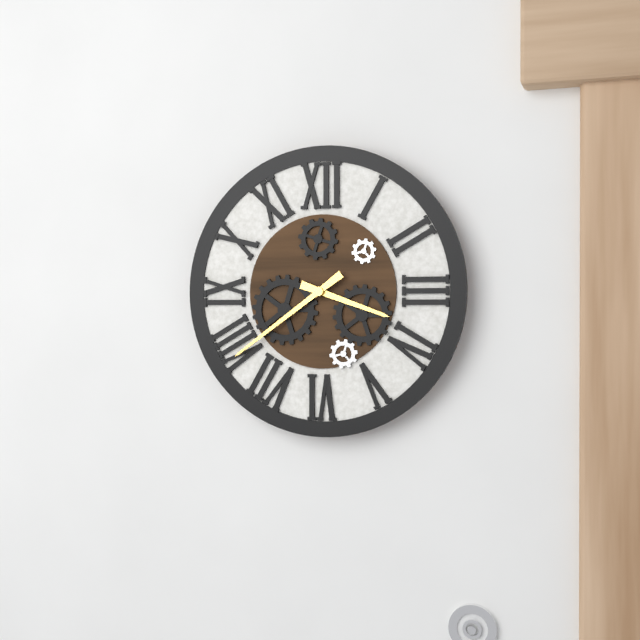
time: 3:39
